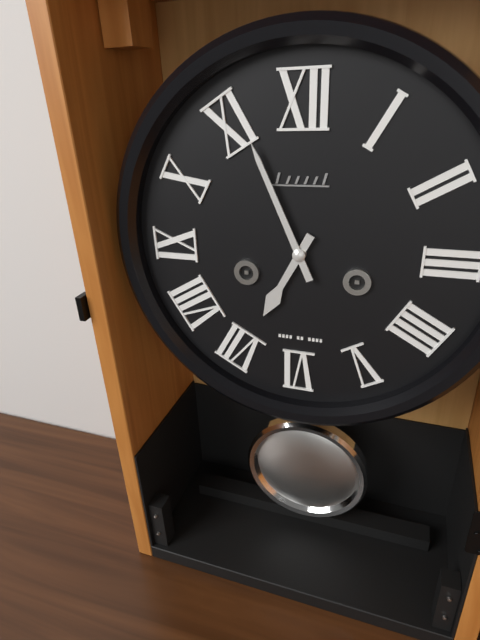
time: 6:56
